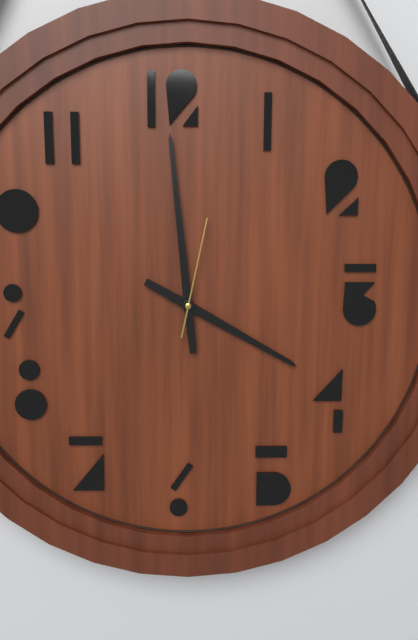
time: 3:59:02
